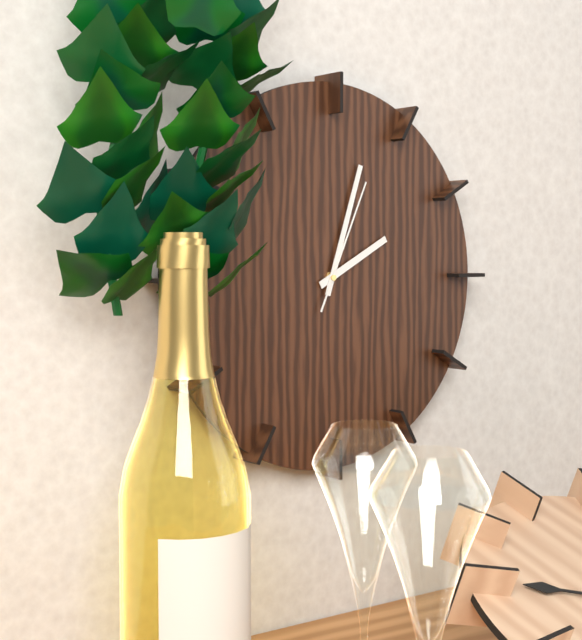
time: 2:03:04
